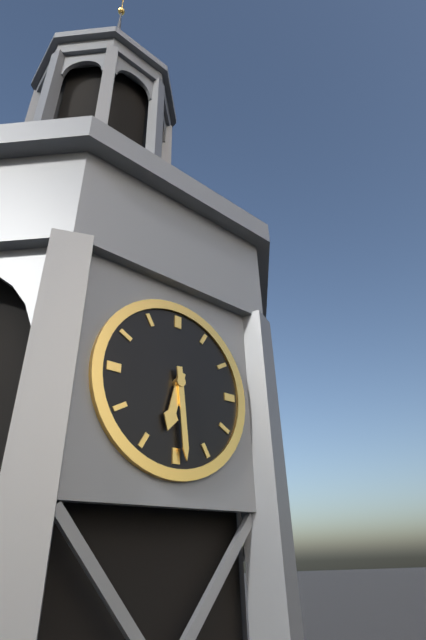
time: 6:29
